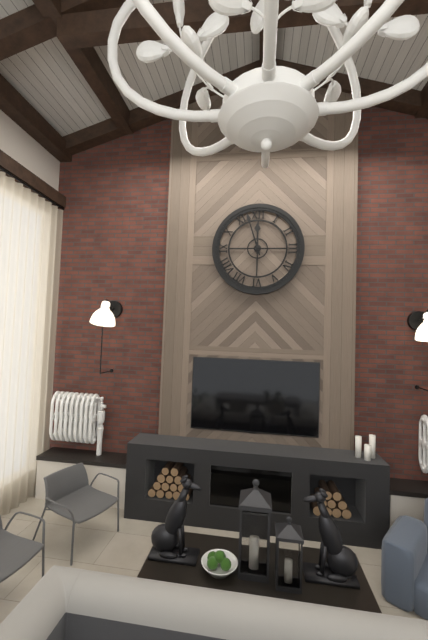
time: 11:57
